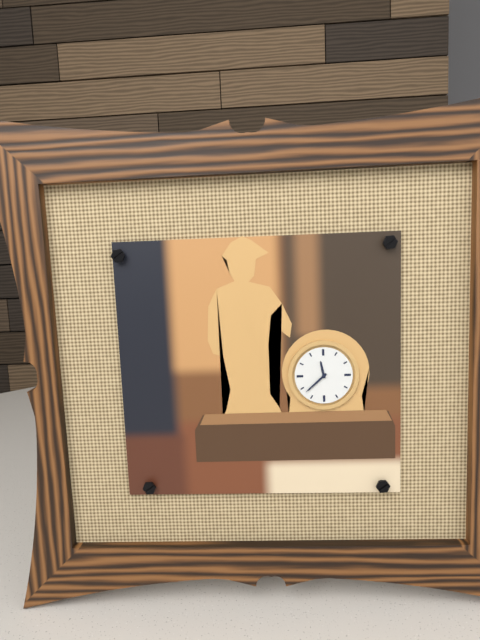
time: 11:38
